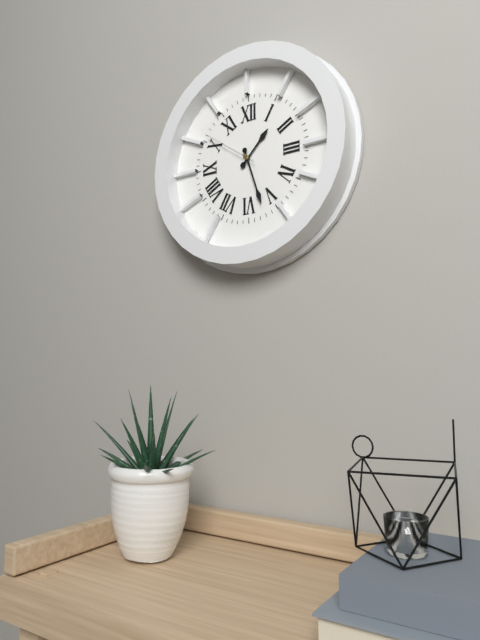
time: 1:27:51
